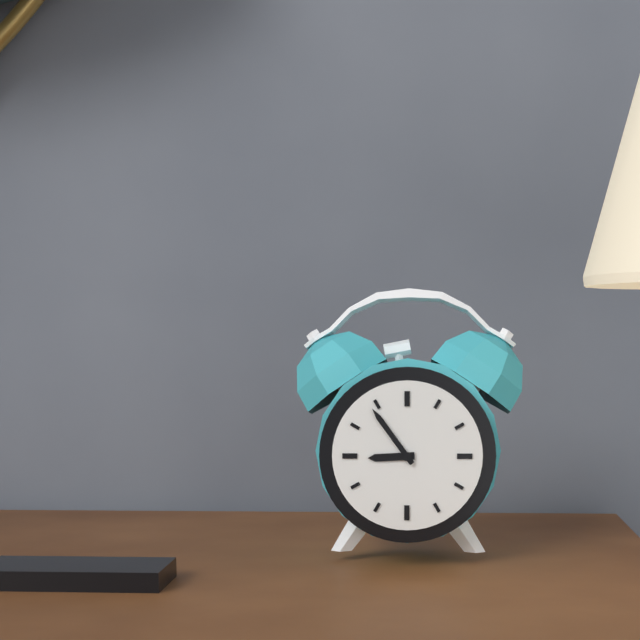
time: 8:54
